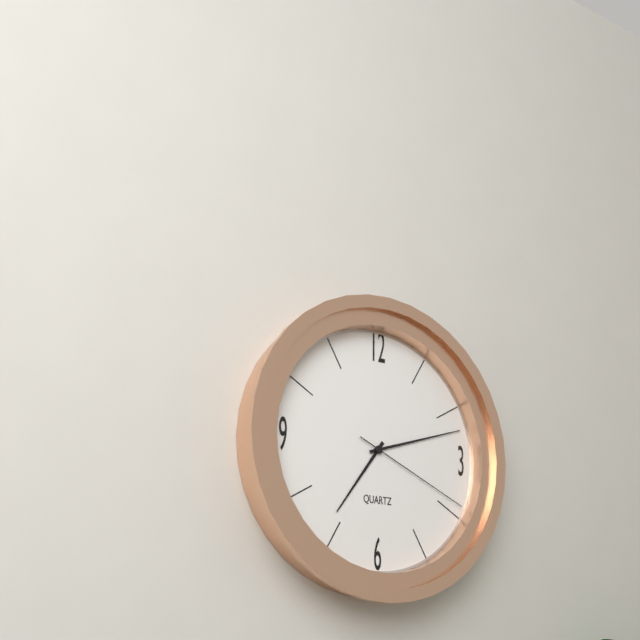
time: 7:12:19
